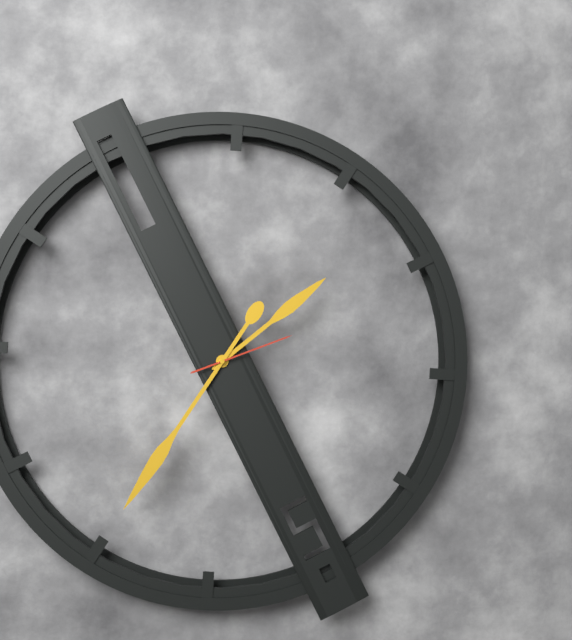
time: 1:35:11
